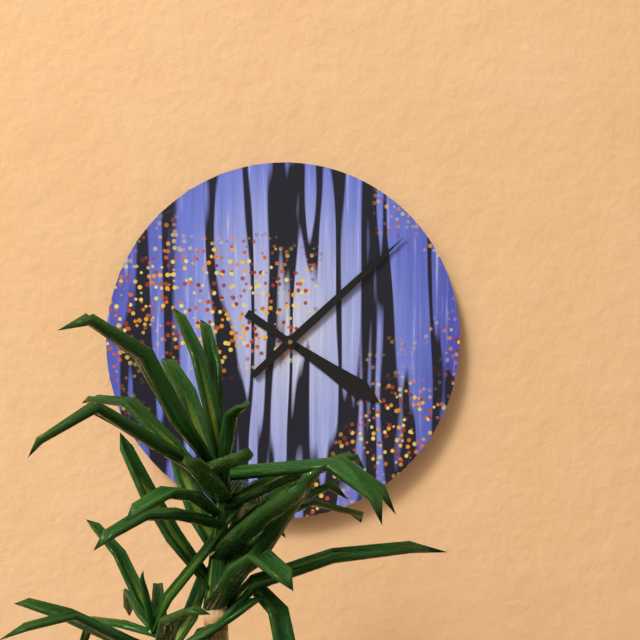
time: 4:08
